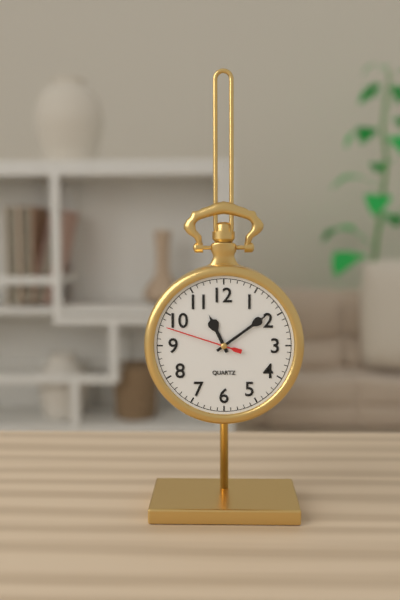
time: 11:09:48
